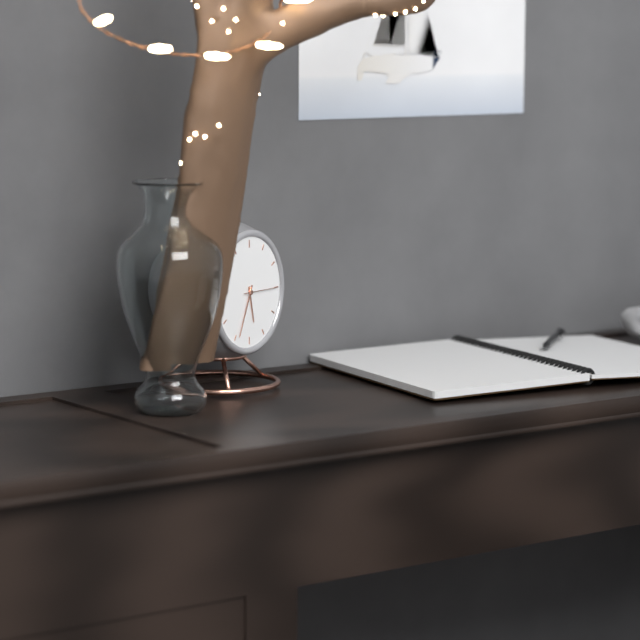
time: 5:34
